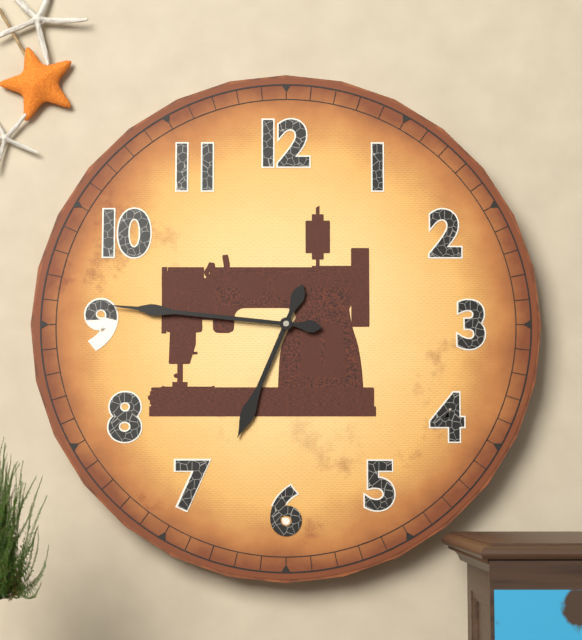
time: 6:46
